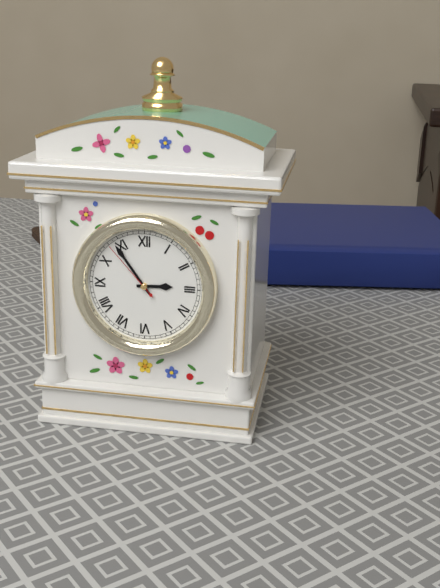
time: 2:54:53
